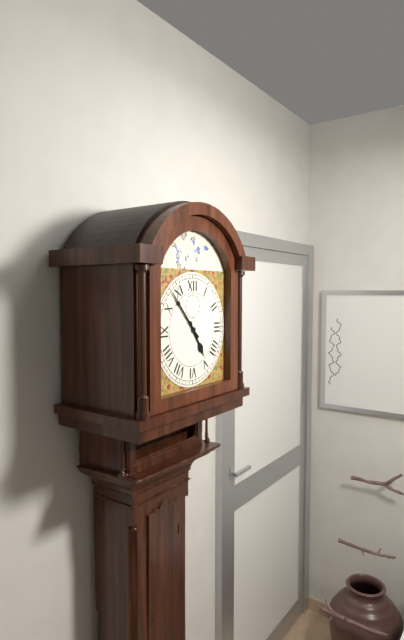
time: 4:53
